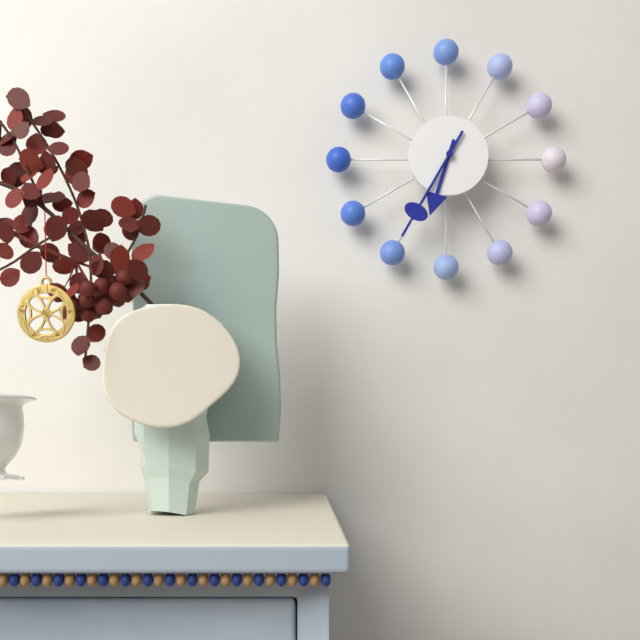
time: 6:35
